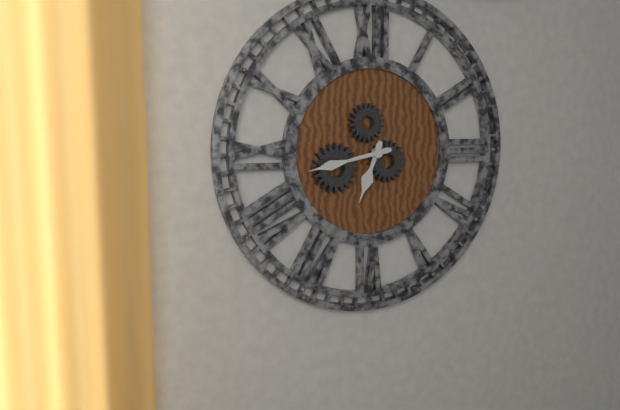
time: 6:43
